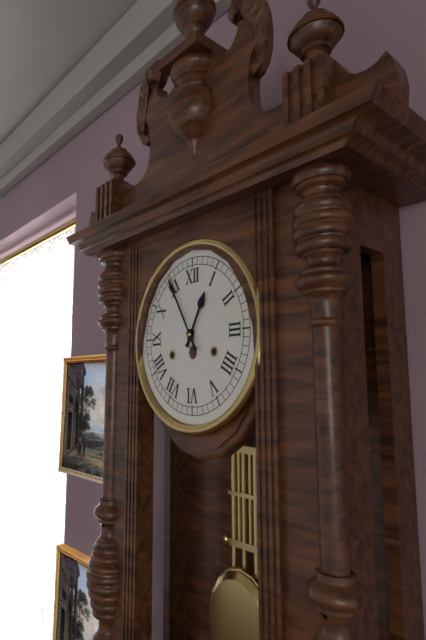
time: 12:55
